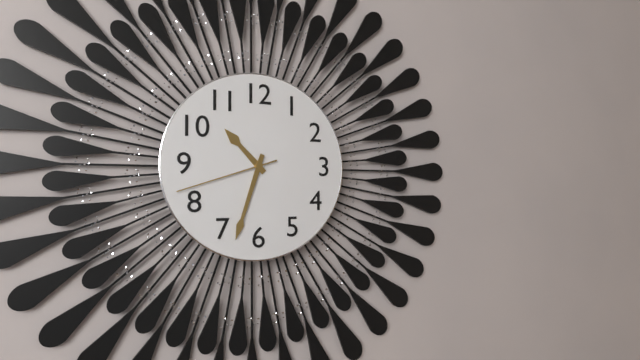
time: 10:33:42
